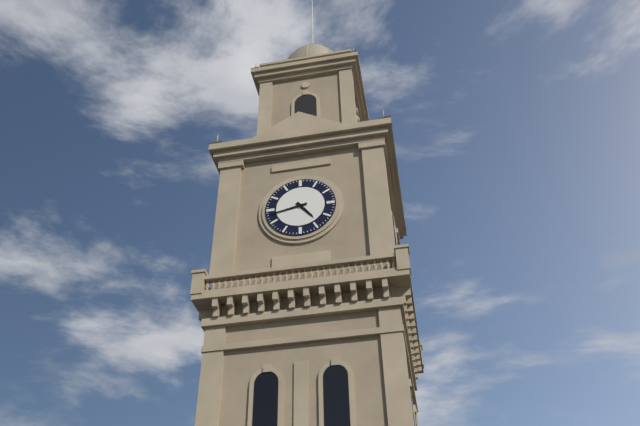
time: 4:43
